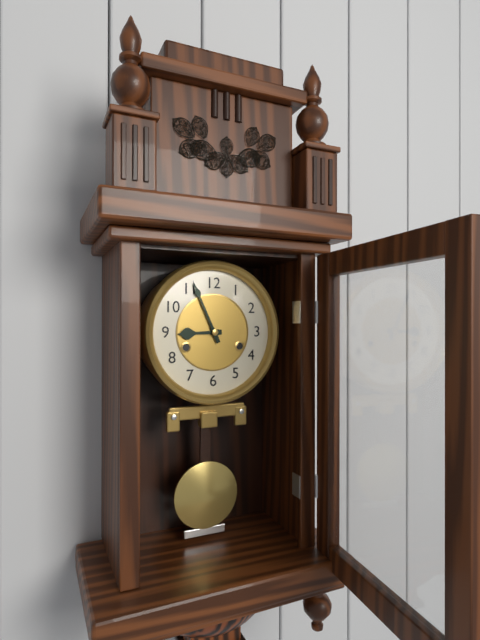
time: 8:56
